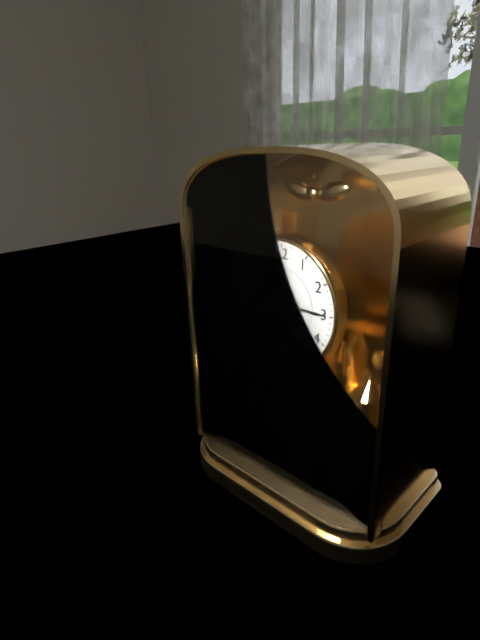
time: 10:15:26
